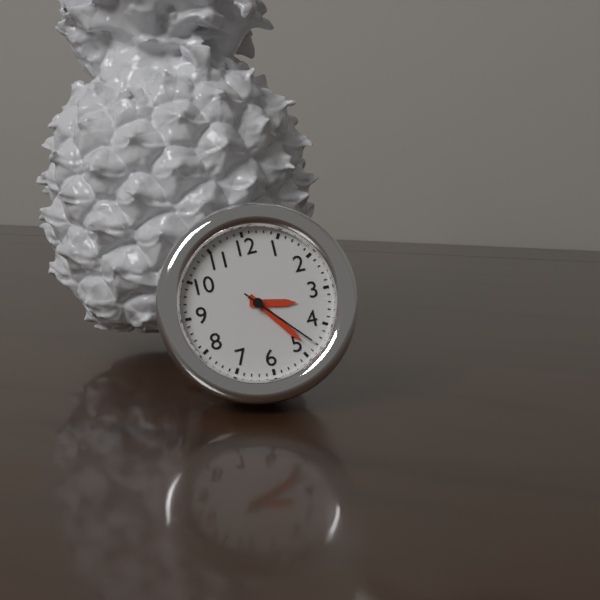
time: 3:24:23
